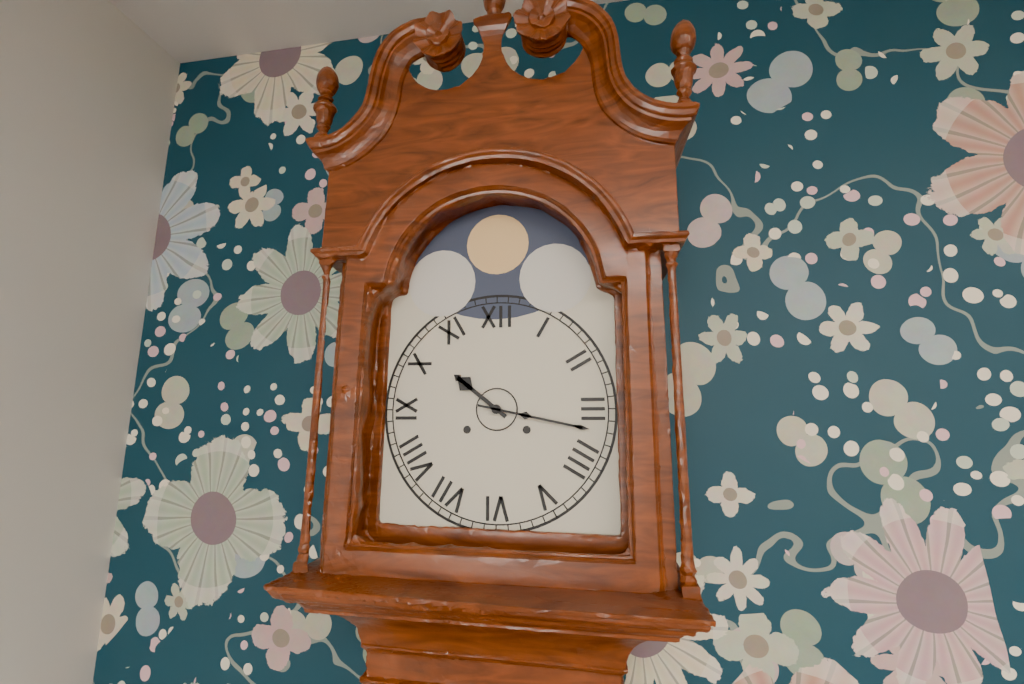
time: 10:17
